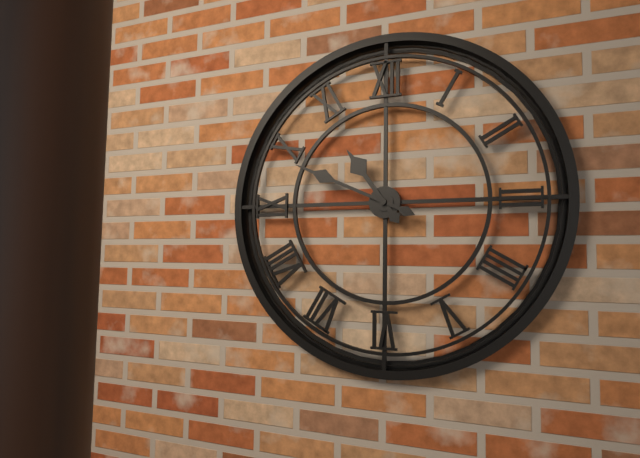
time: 10:49
